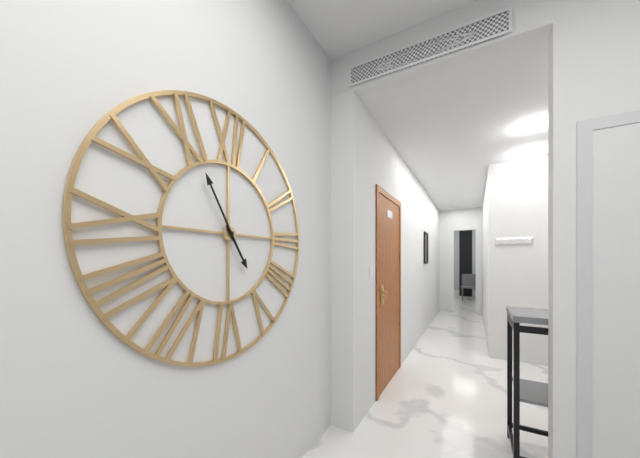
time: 4:55
